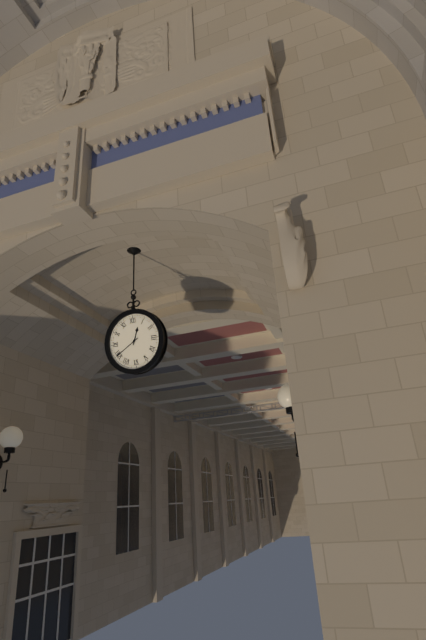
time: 12:40
